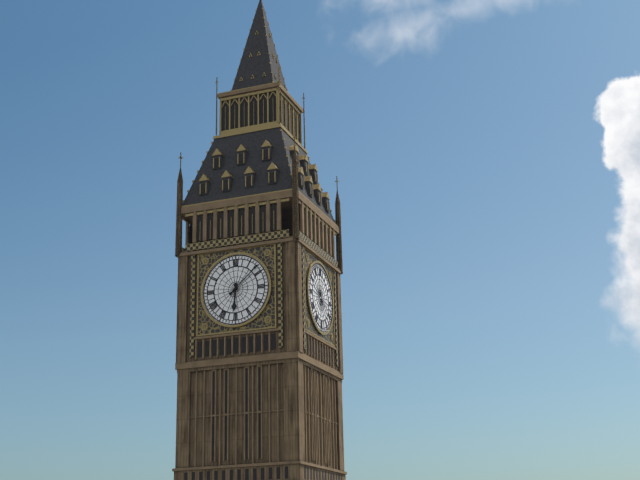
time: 6:08
